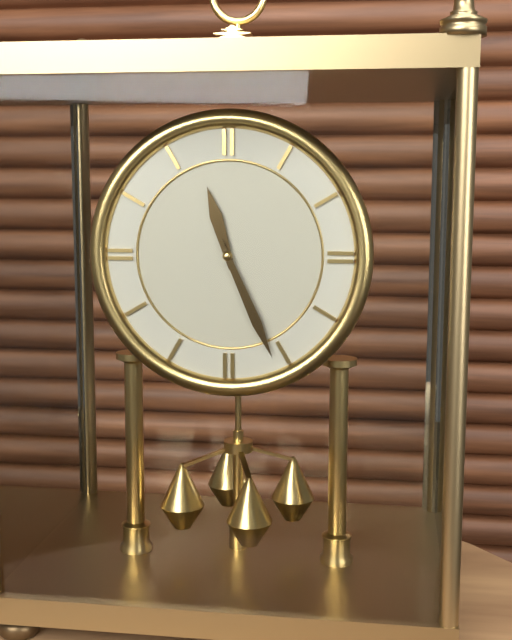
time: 11:26
